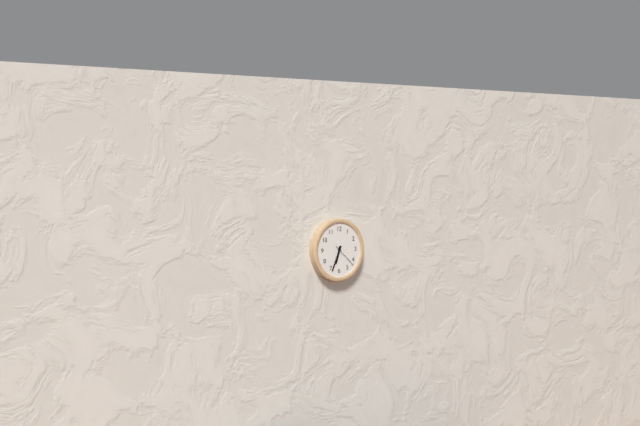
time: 6:34
